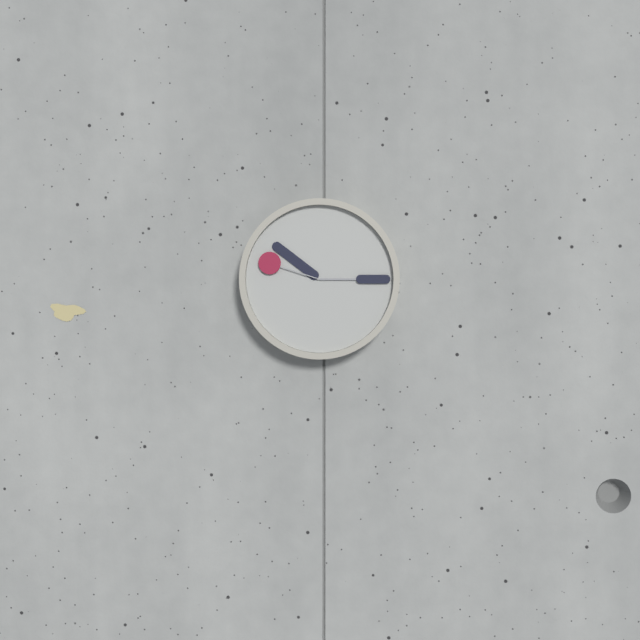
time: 10:15:48
